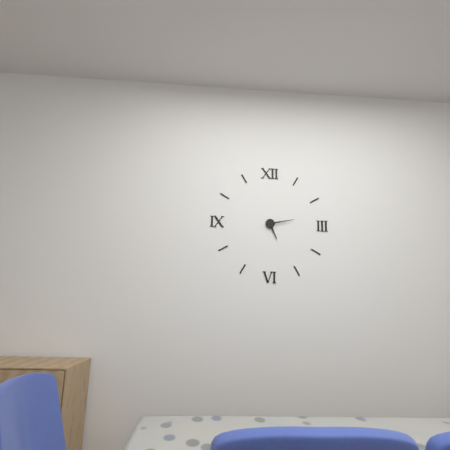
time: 5:13
